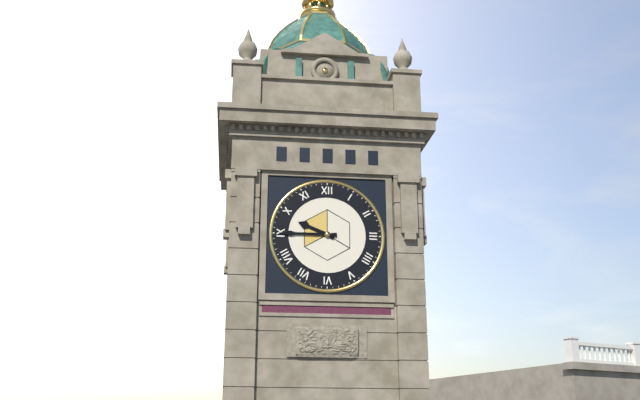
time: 9:45
